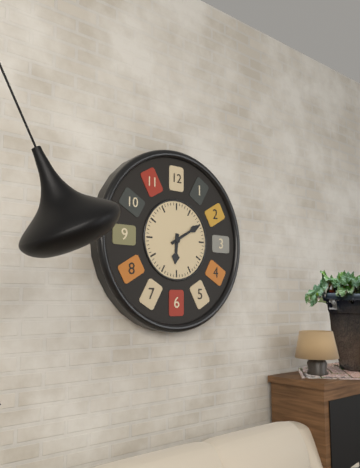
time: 6:10
